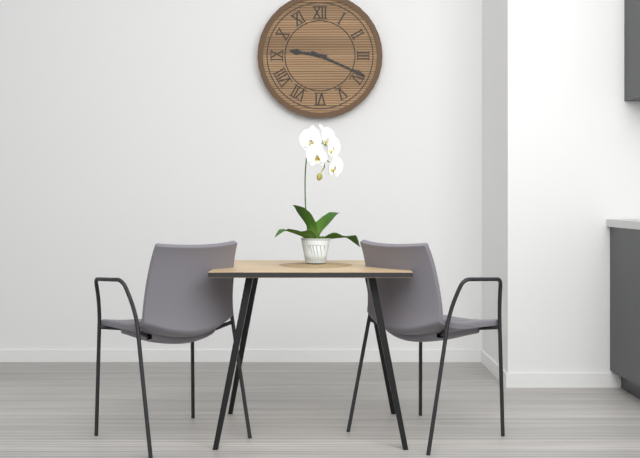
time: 9:19
